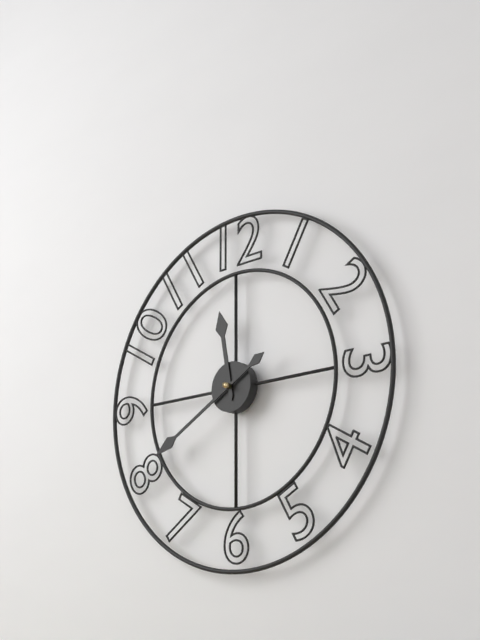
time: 11:40
